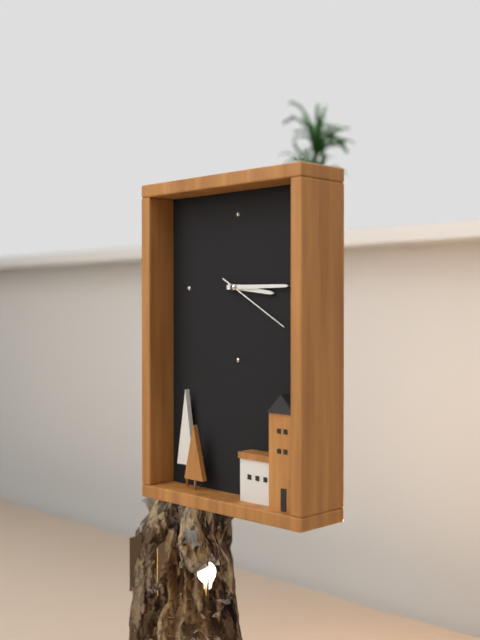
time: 3:15:20
